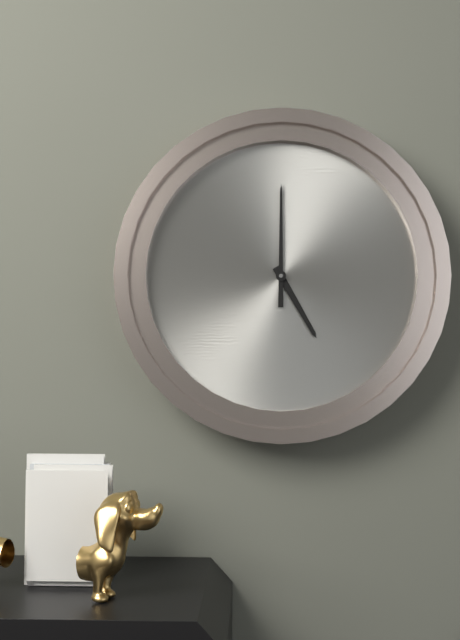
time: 5:00
